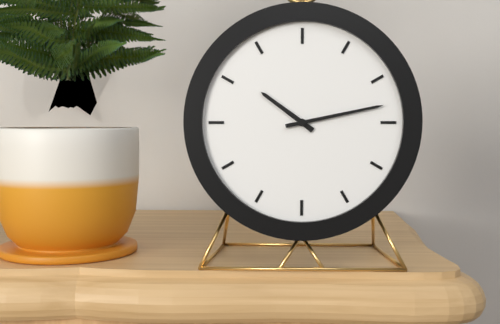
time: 10:13
